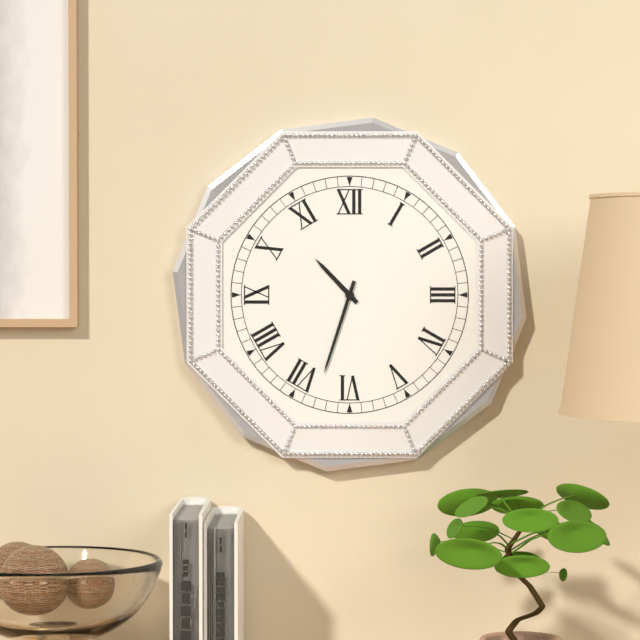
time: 10:33
